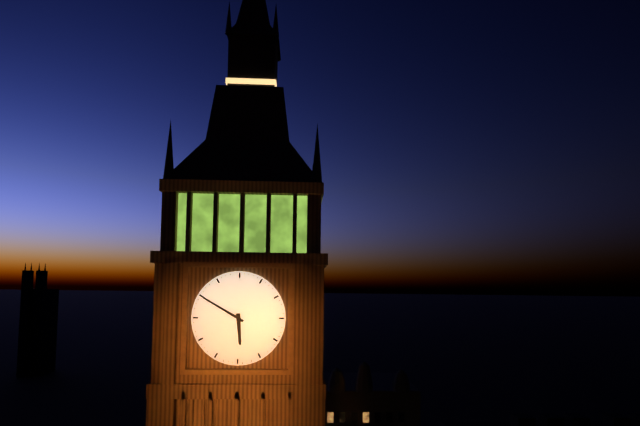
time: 5:50
